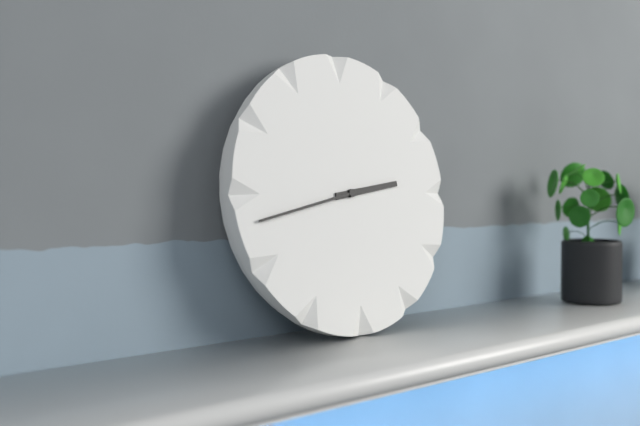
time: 2:43
